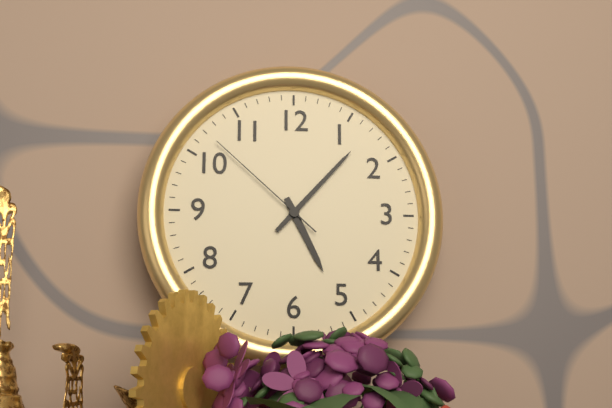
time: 5:07:52
